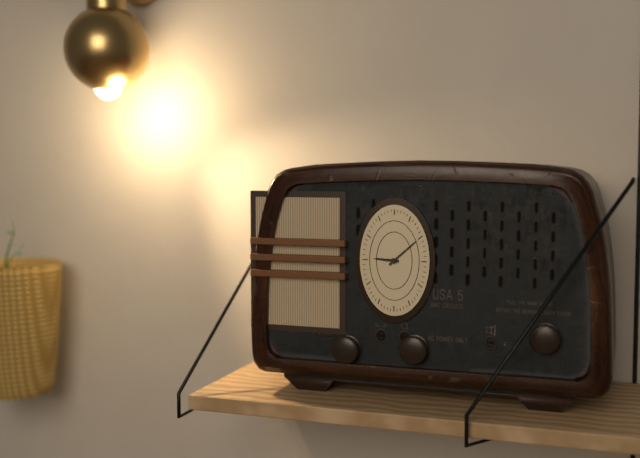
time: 9:08
